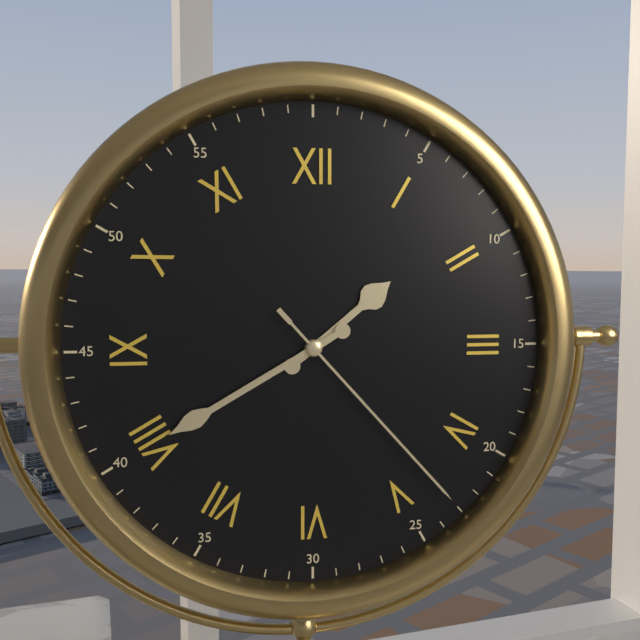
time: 1:40:23
